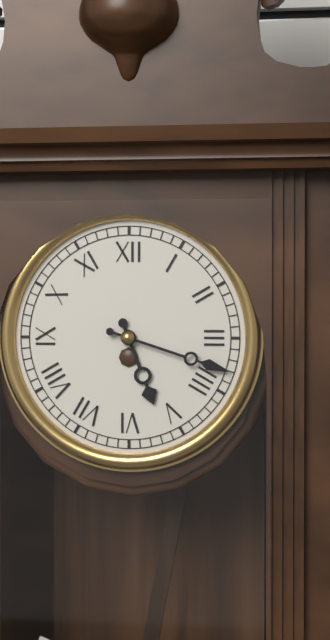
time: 5:18
